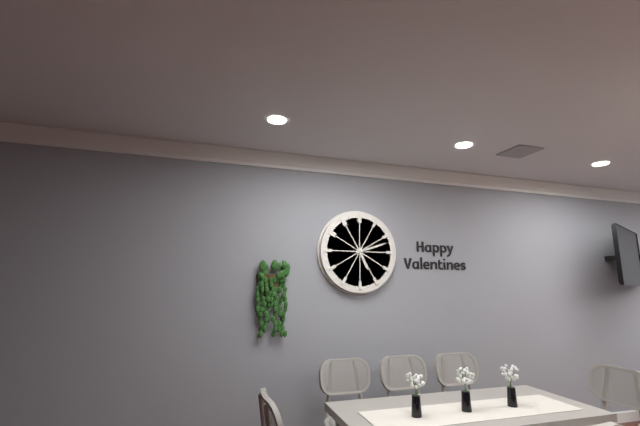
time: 5:12
